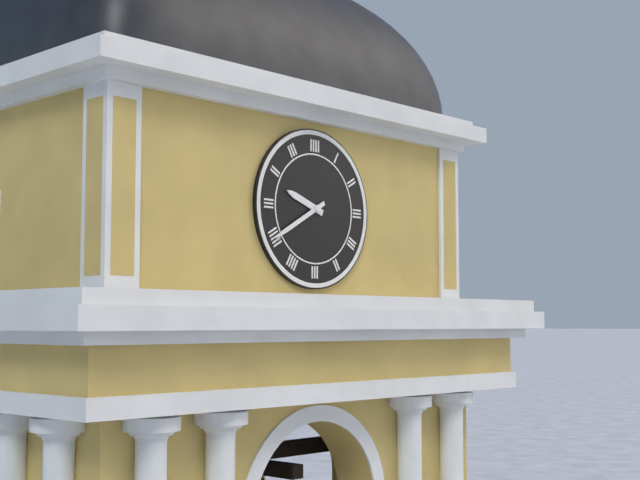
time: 9:40
